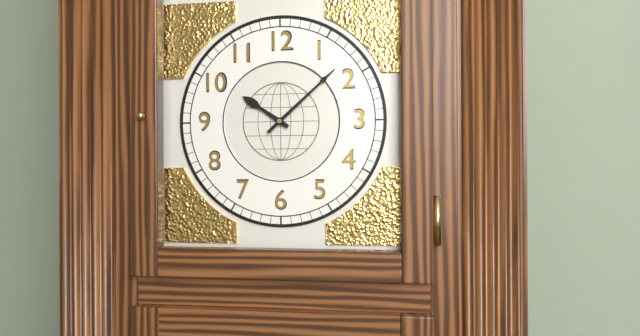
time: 10:08
